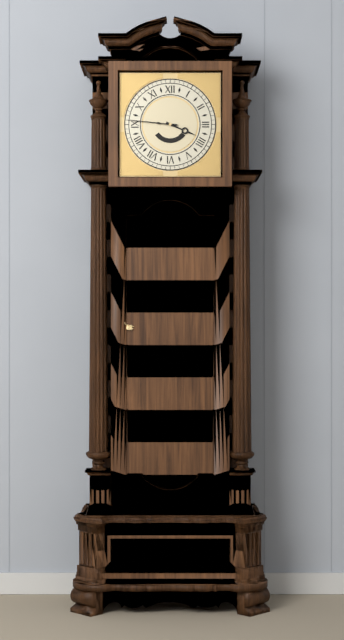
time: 3:46
